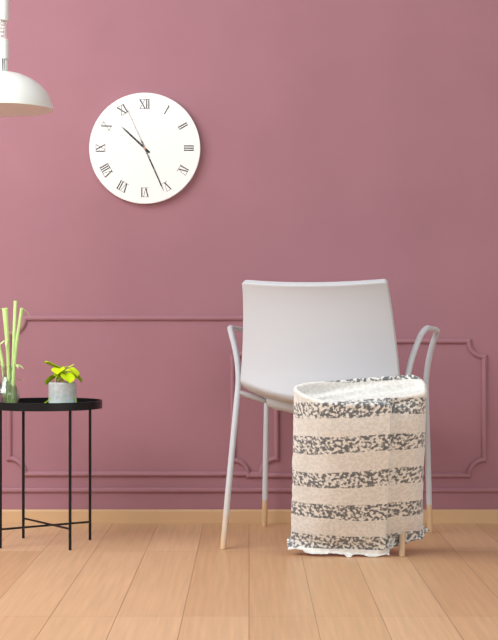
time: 10:26:56
